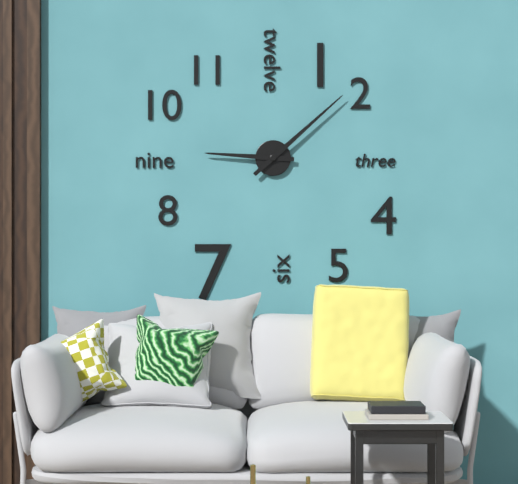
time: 9:08
